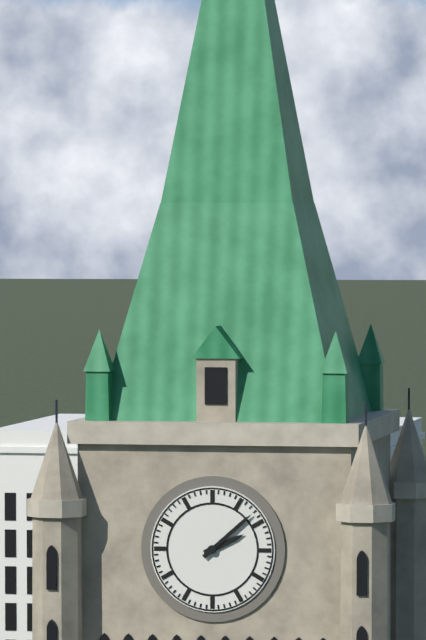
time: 2:08
